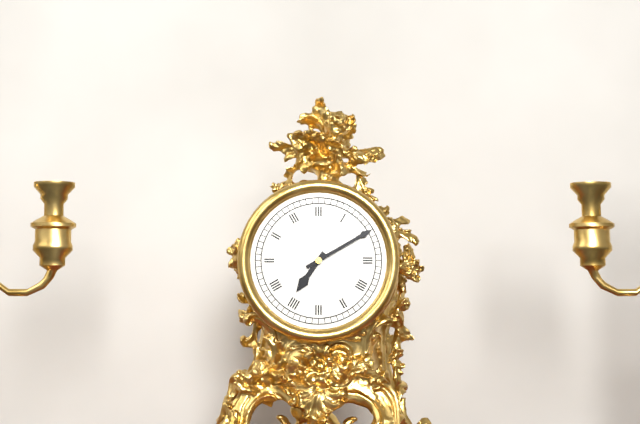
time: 7:10
